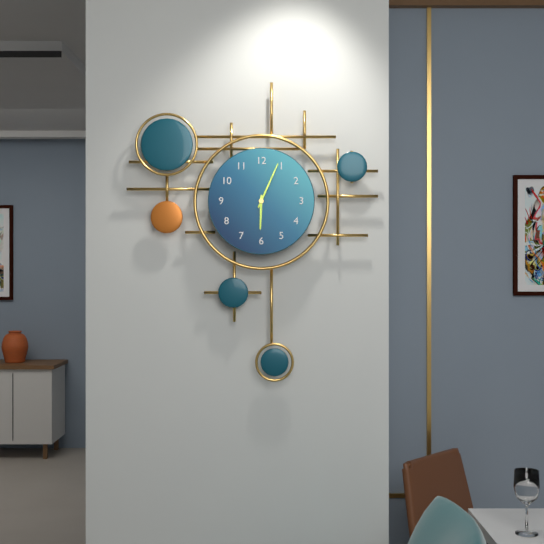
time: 6:04
